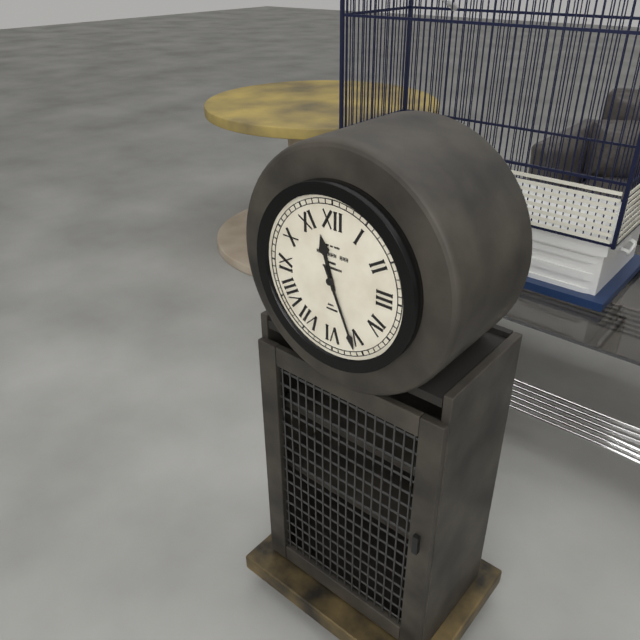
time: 11:26
